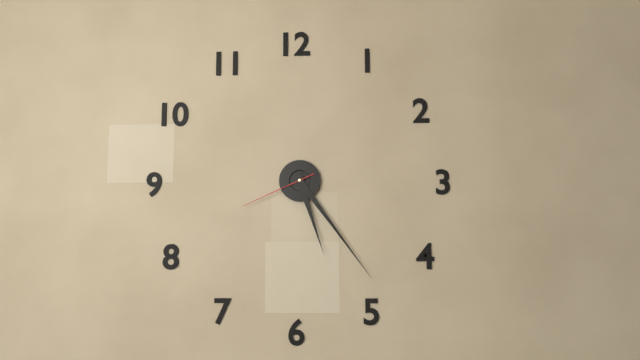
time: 5:24:41
